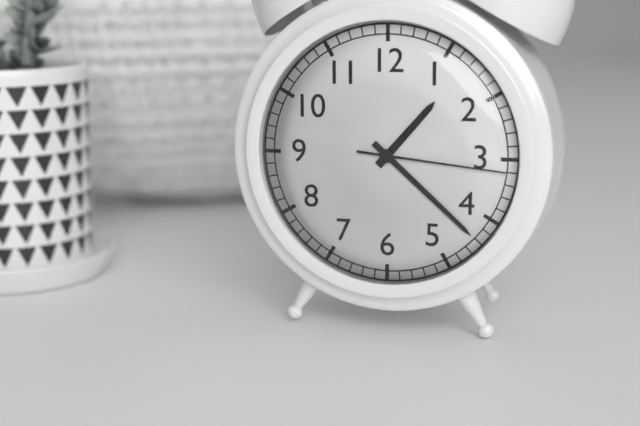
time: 1:22:16
